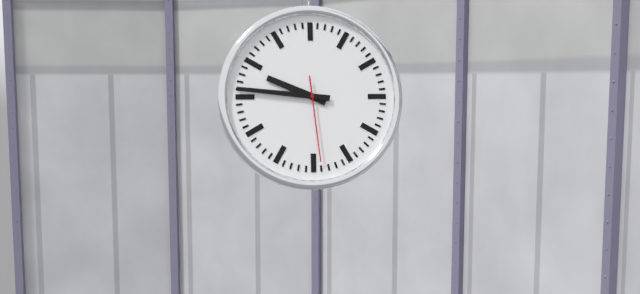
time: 9:46:29
